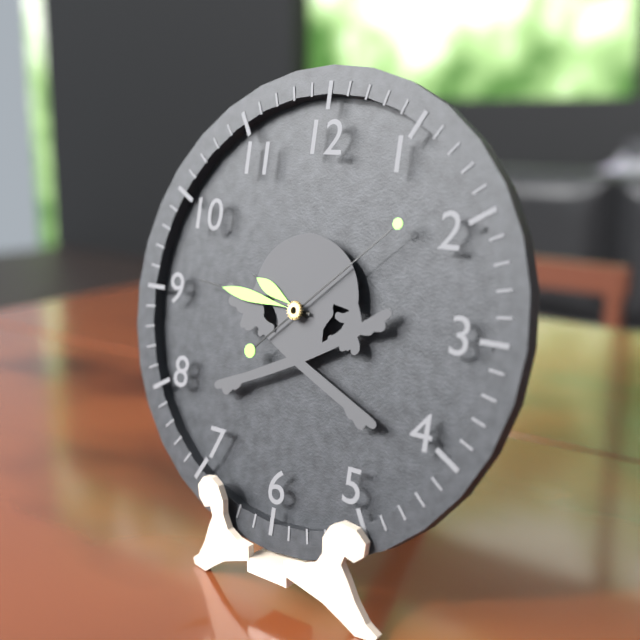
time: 9:46:08
